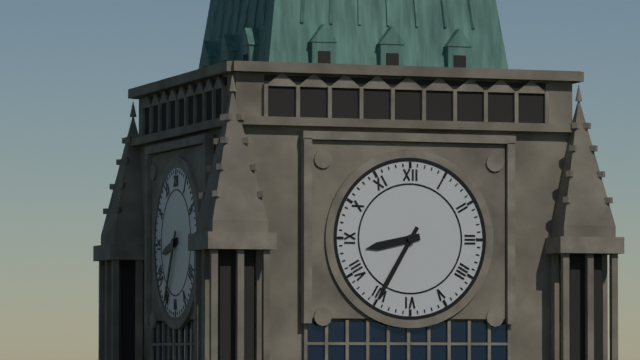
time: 8:35
